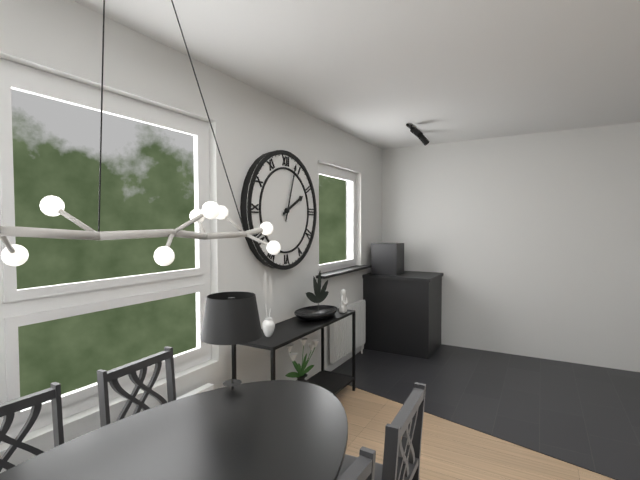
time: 2:03
